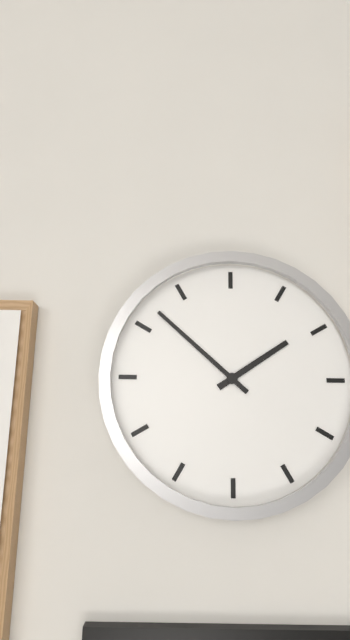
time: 1:52
